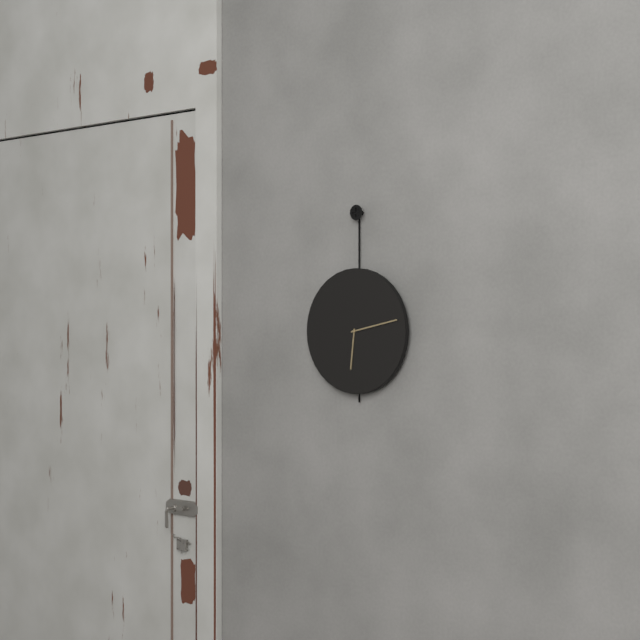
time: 6:13
